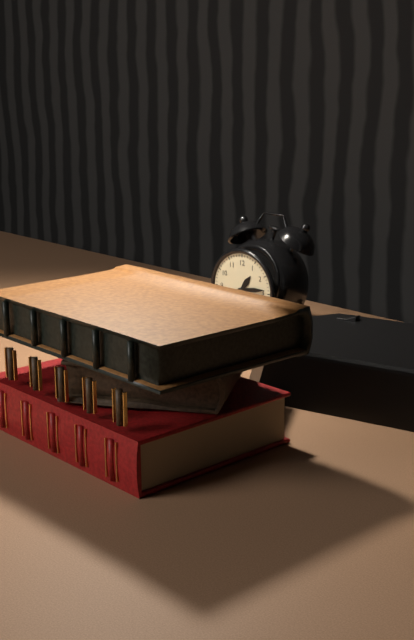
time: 1:14
